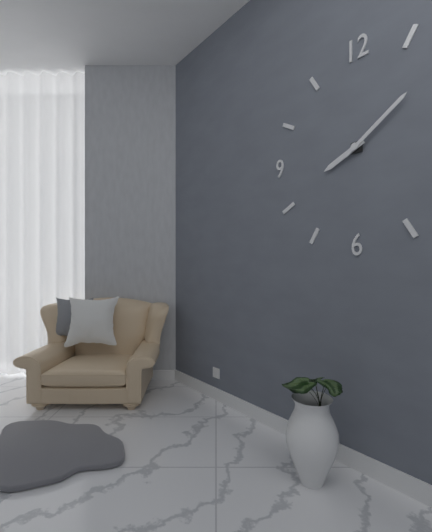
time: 8:09
